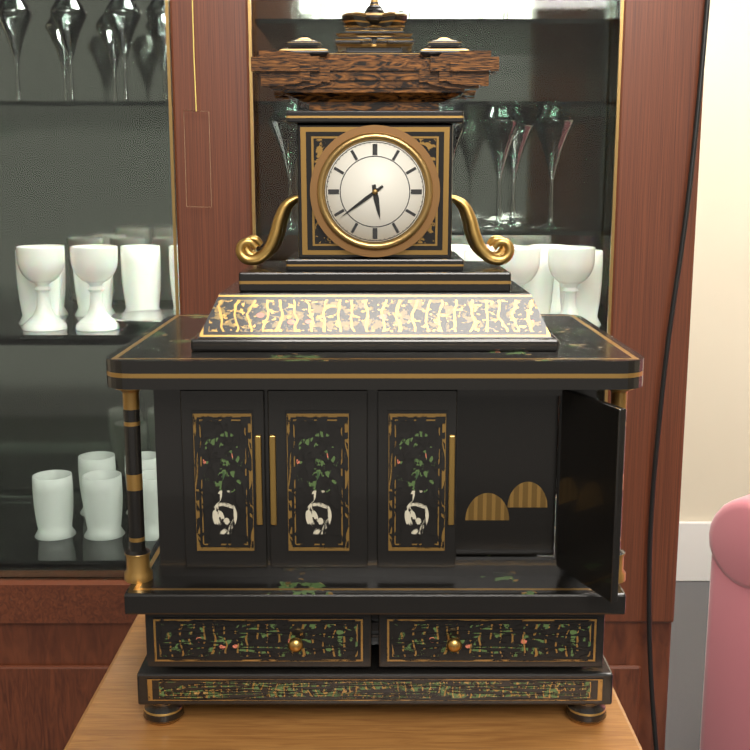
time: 5:39
